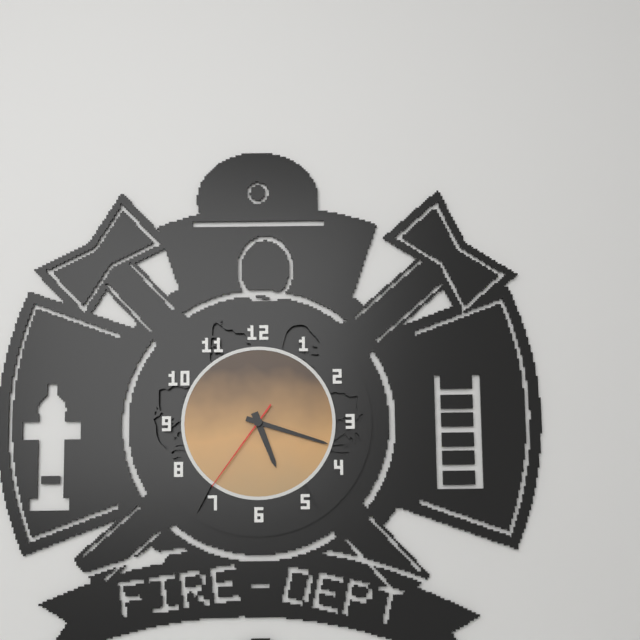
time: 5:18:36
